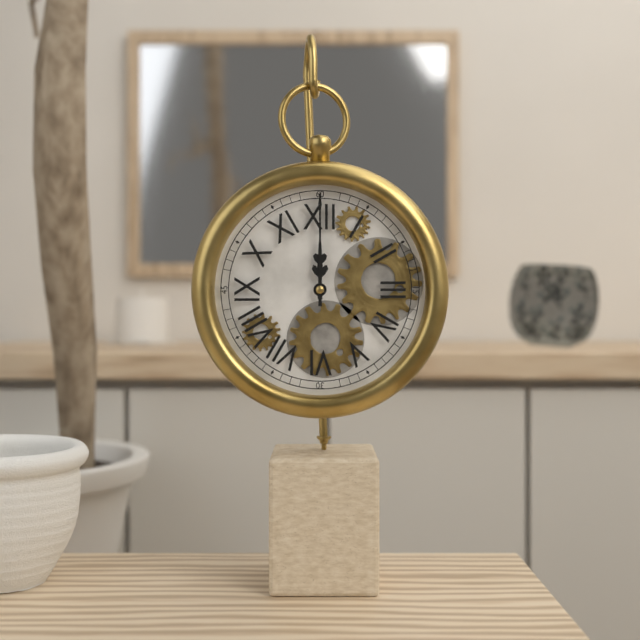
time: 12:00
